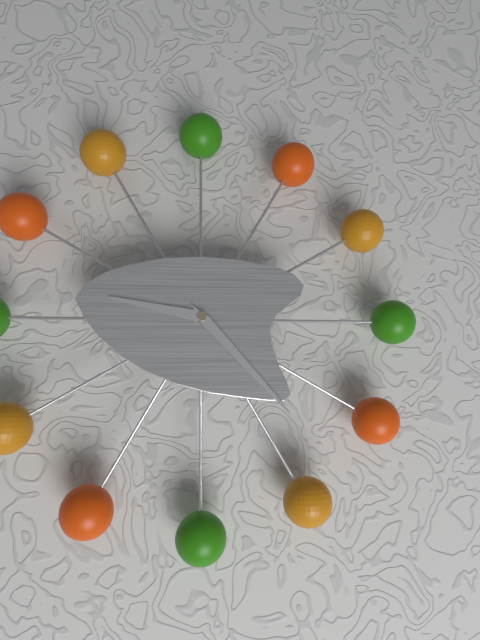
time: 9:23
